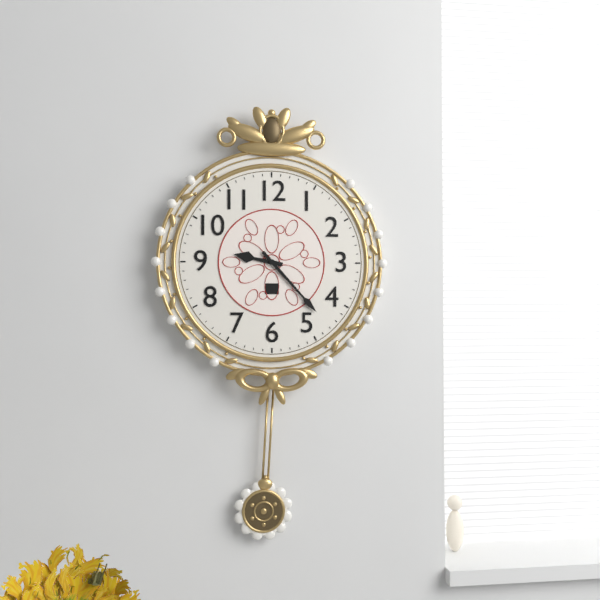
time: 9:23
